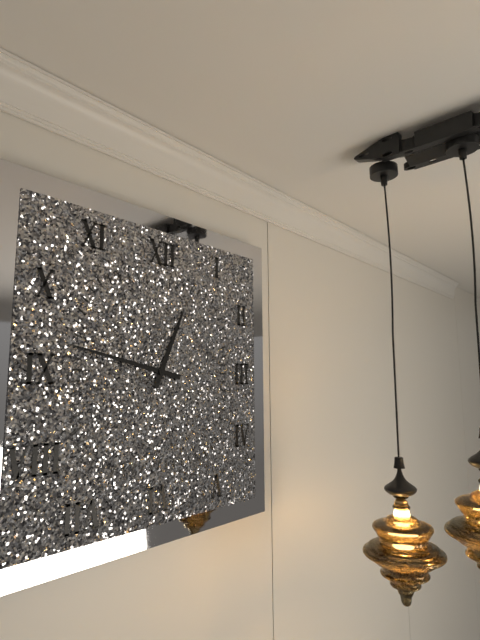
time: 12:47
